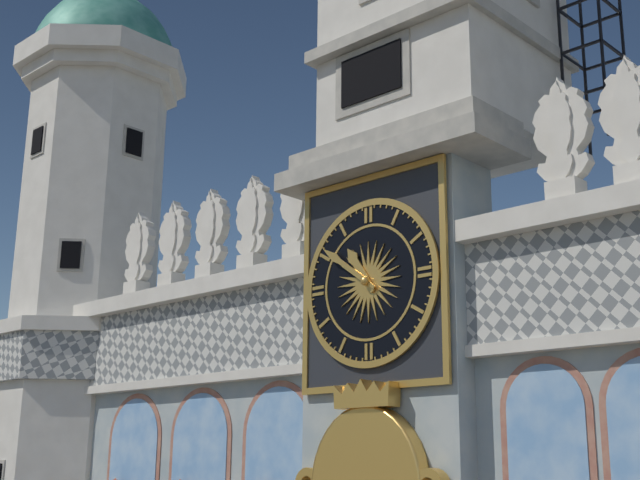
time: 10:51
